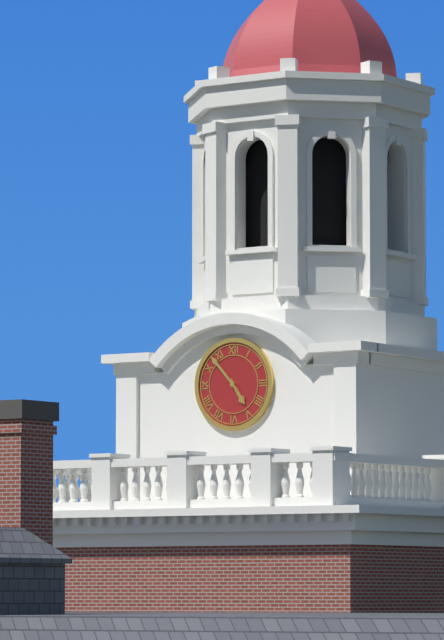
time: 4:53
